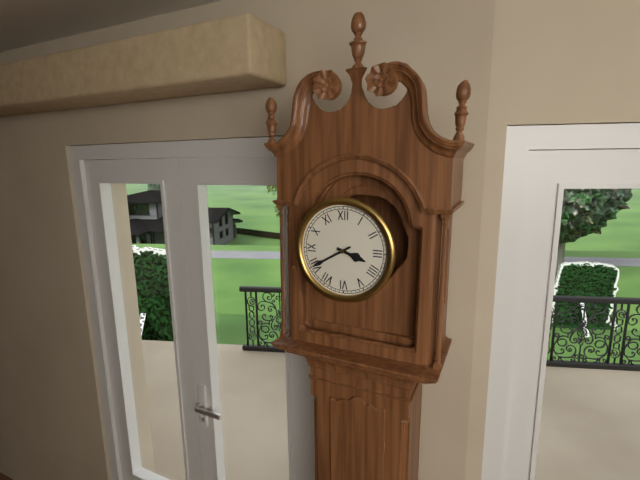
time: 3:40
